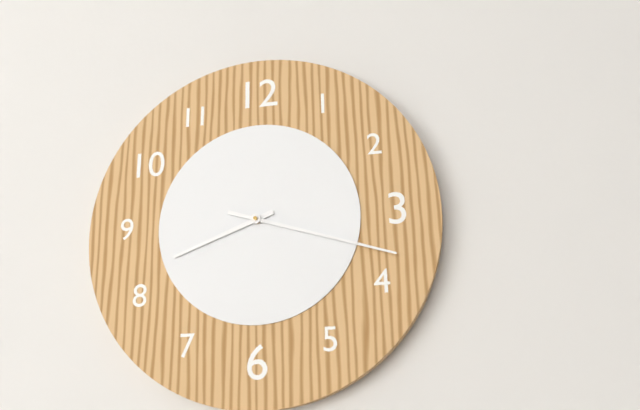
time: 8:18
